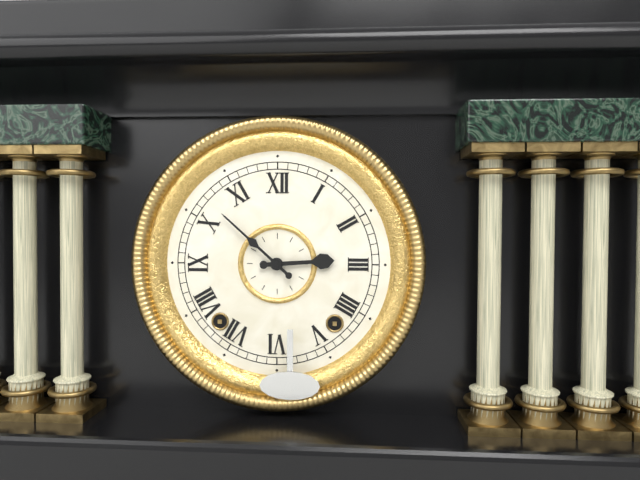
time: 2:52
